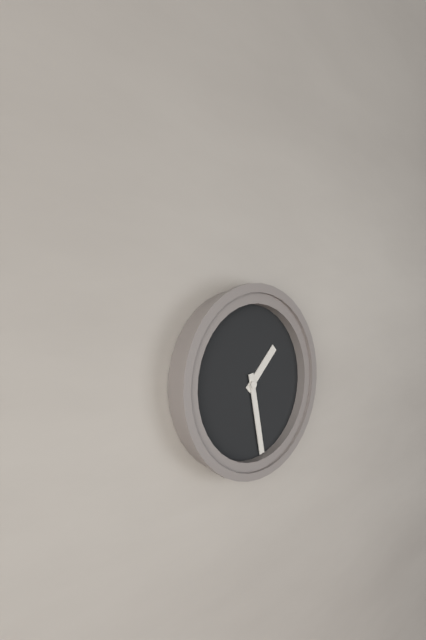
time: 1:28
